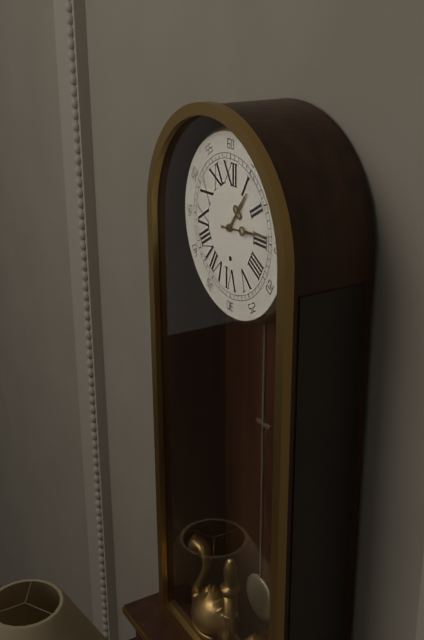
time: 1:14
